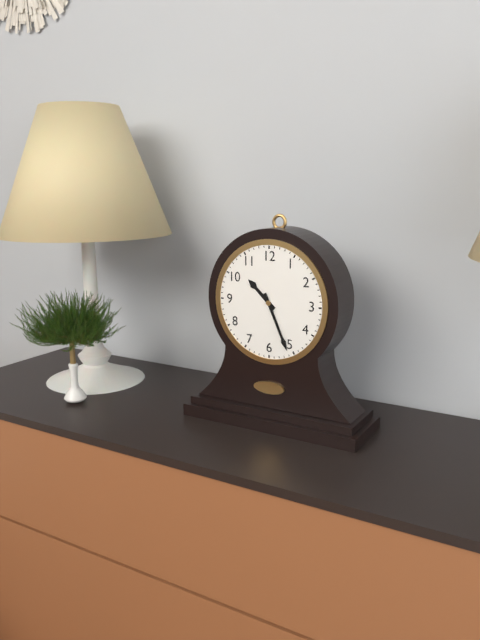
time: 10:26
